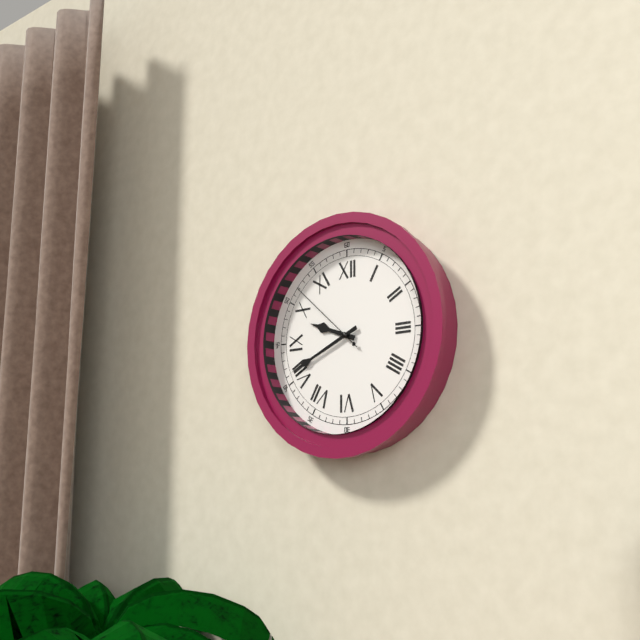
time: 9:41:52
